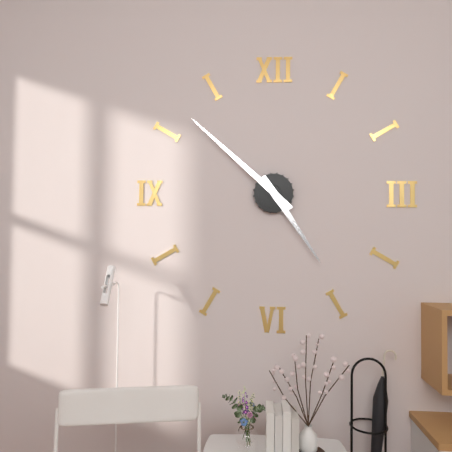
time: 4:52
